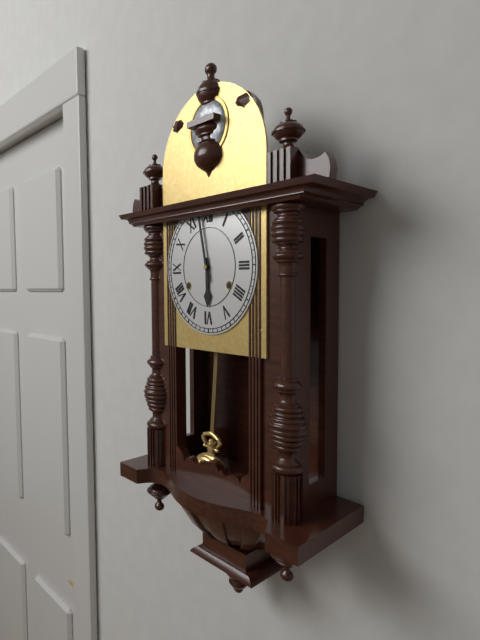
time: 5:58
